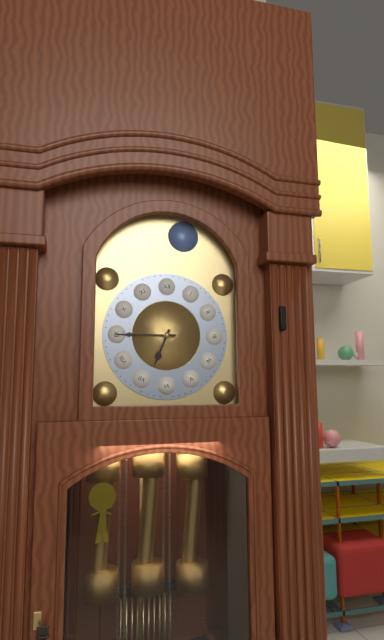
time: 6:45
